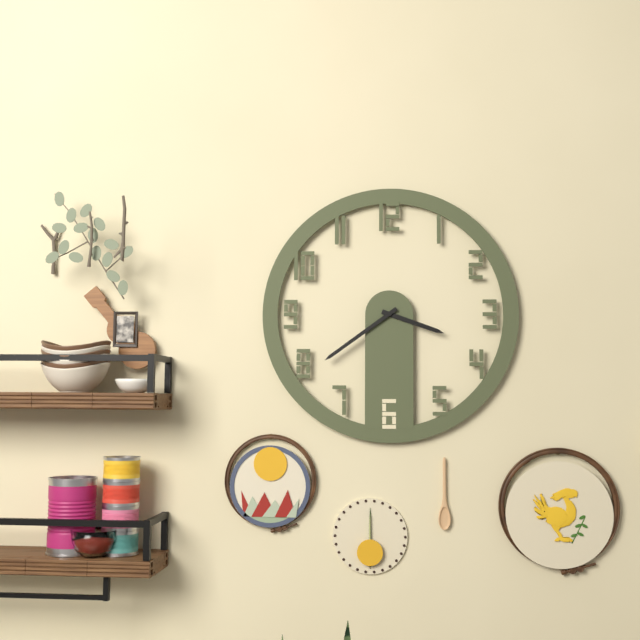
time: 3:39
